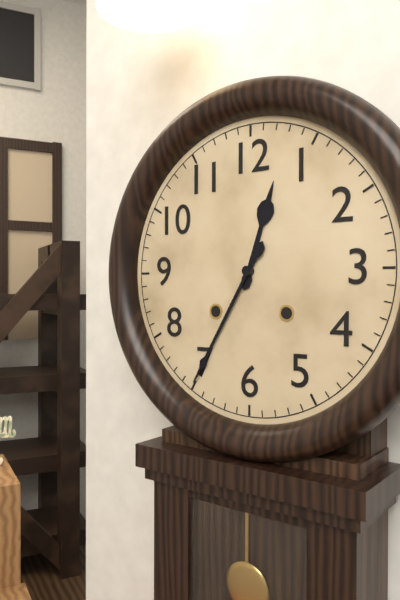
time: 12:35
